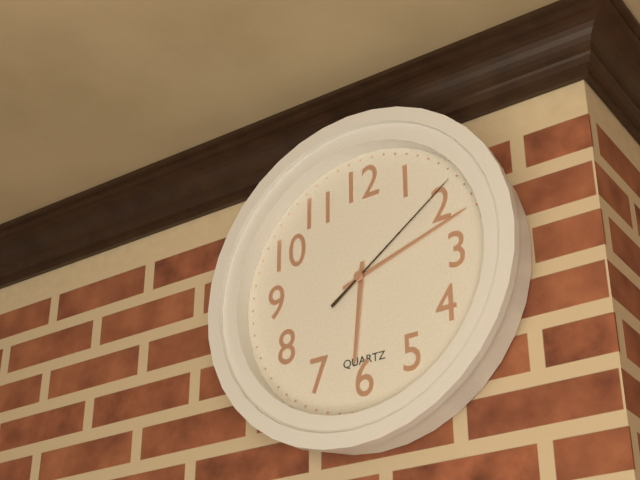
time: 6:12:09
